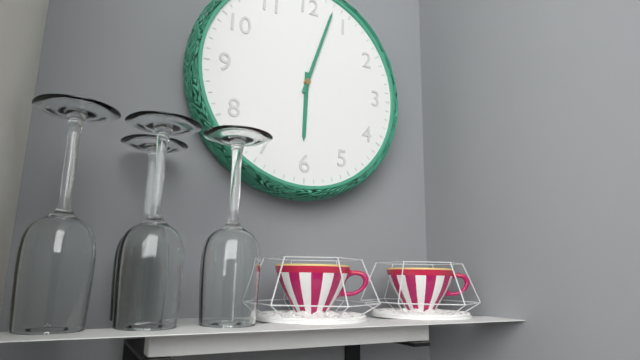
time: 6:03
